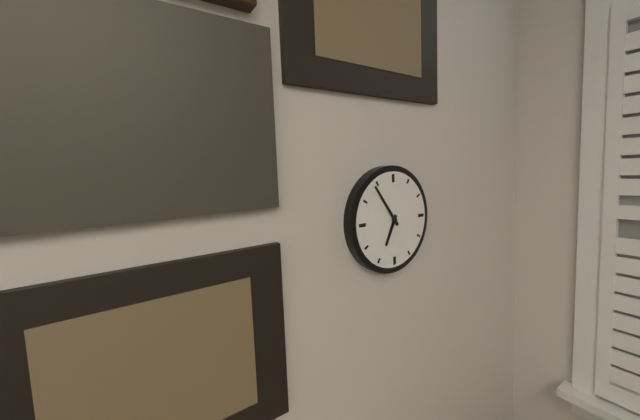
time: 6:54
